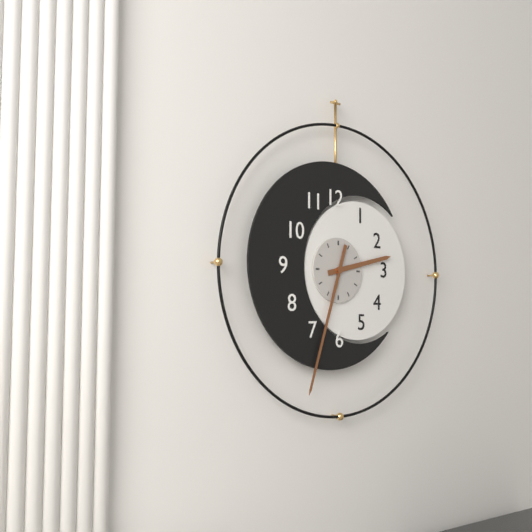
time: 2:33
